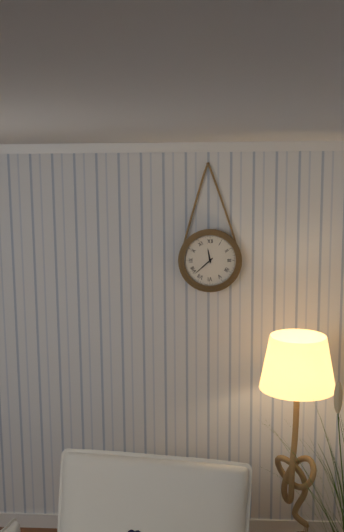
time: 11:38
